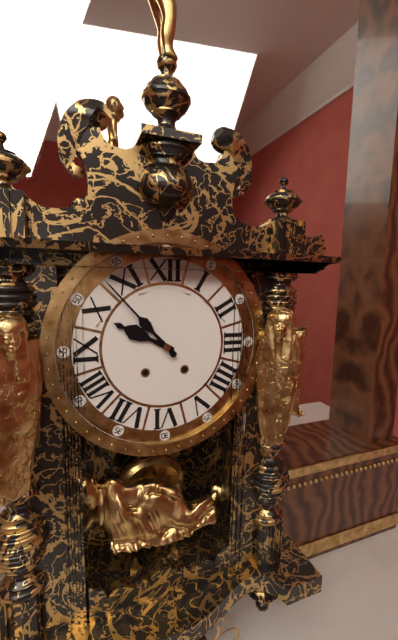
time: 9:53
